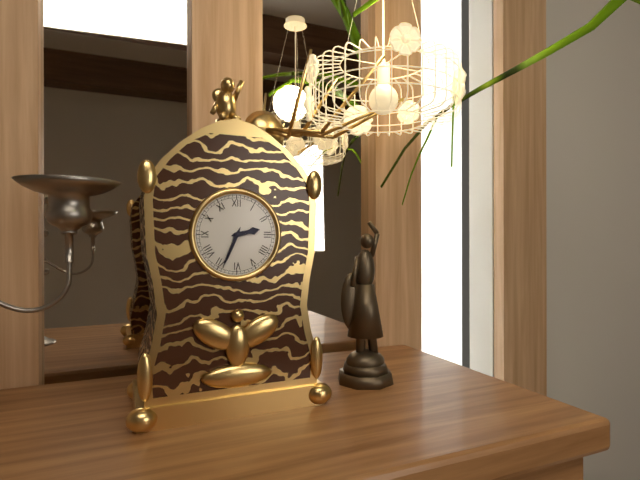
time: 2:34
